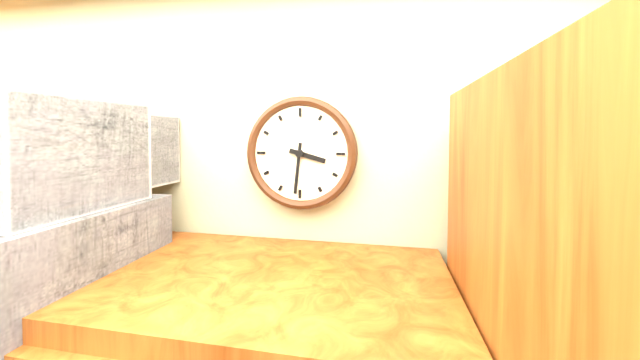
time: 3:31
